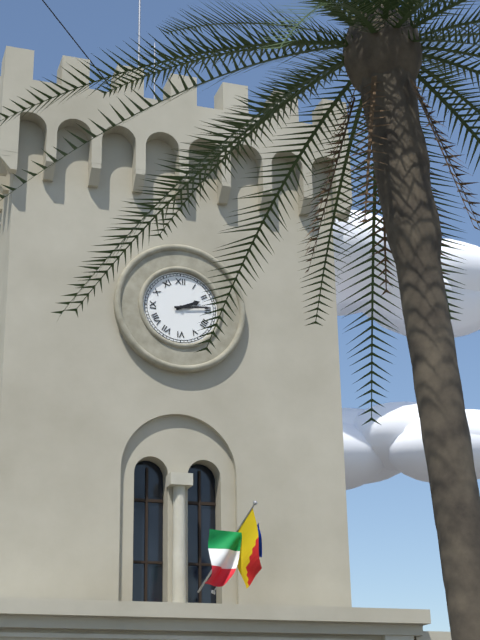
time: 2:14
